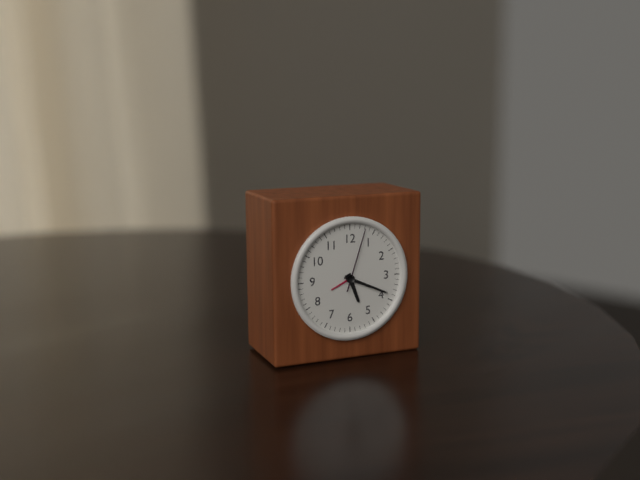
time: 5:19:03
